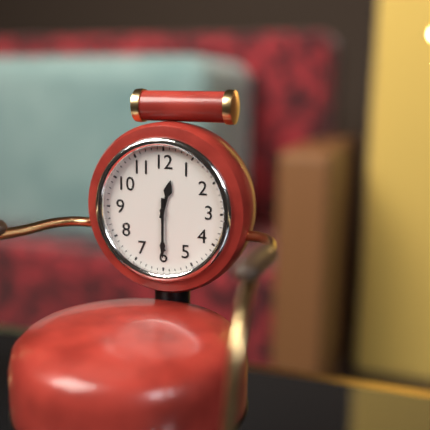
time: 12:30
